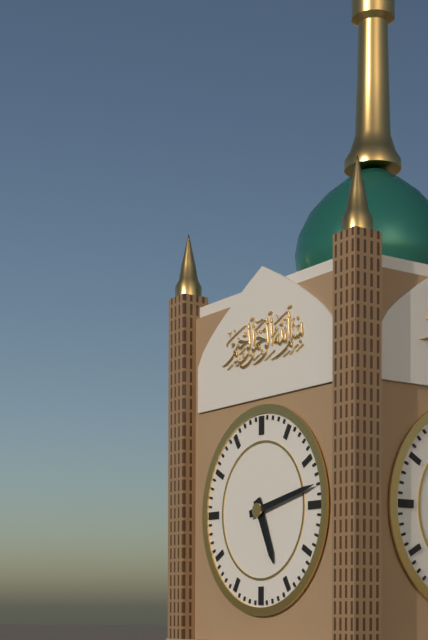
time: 5:13
